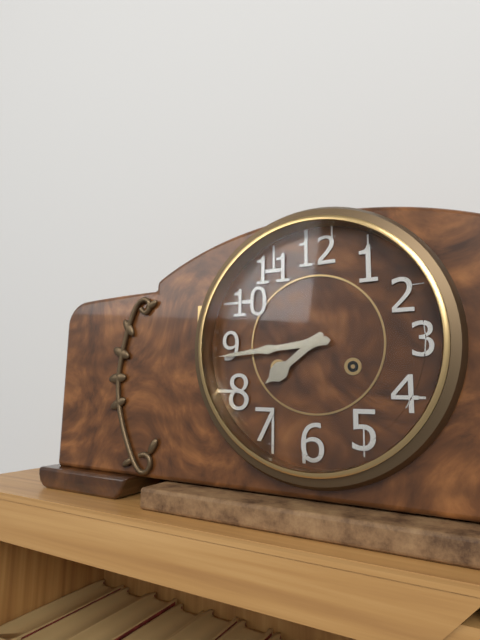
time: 7:44
